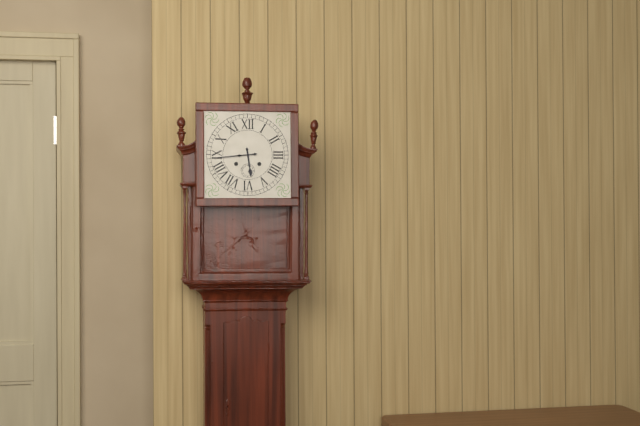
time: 5:44
